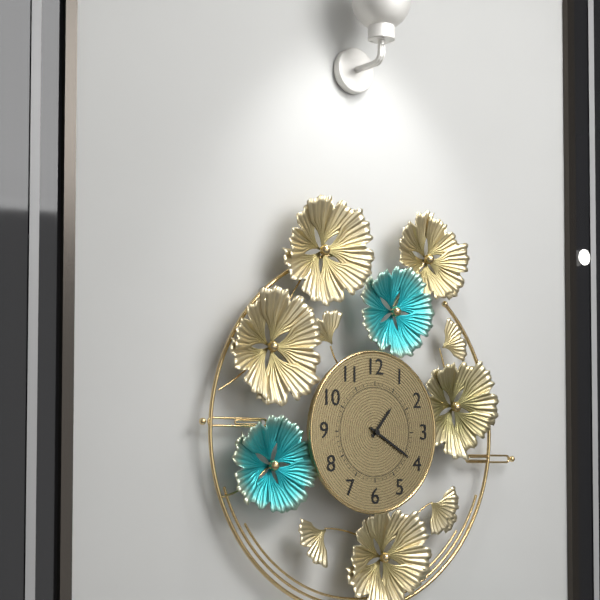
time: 1:20
